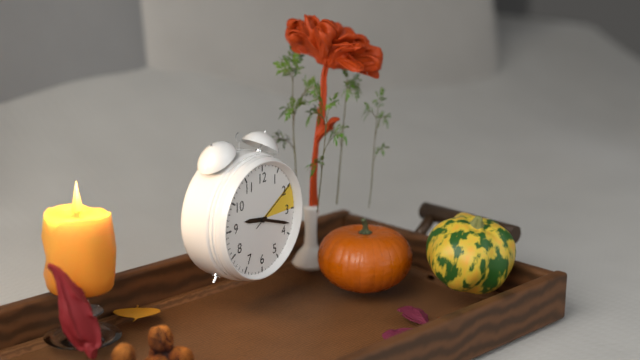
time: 9:18:10
